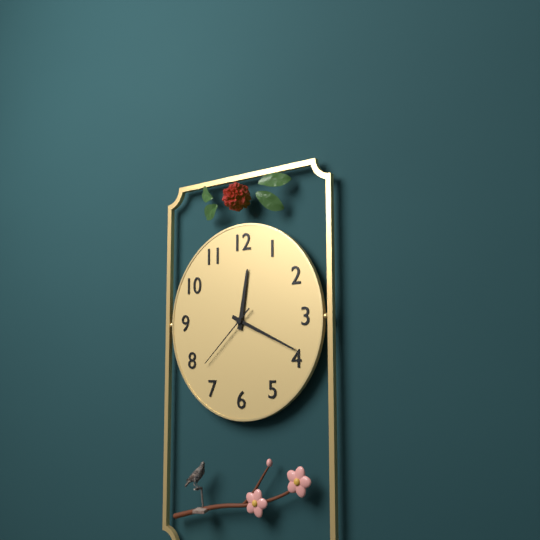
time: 12:19:38
